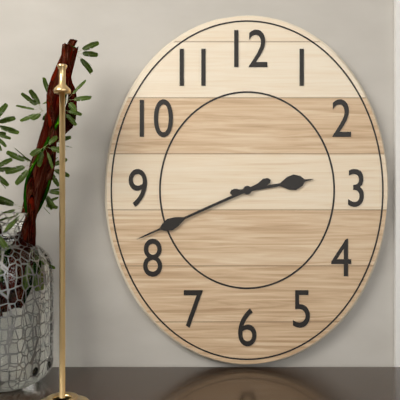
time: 2:41
